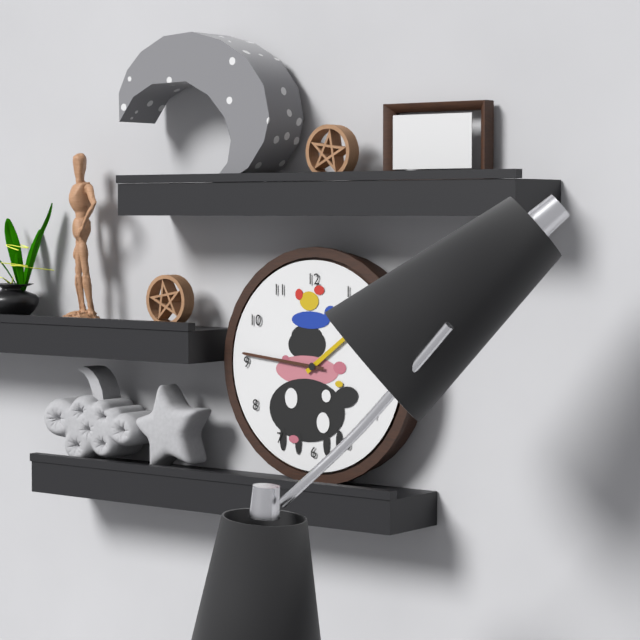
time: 1:46
